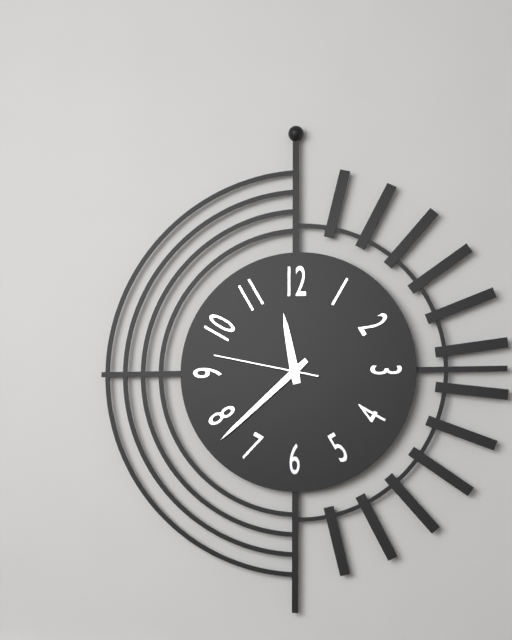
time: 11:38:47
